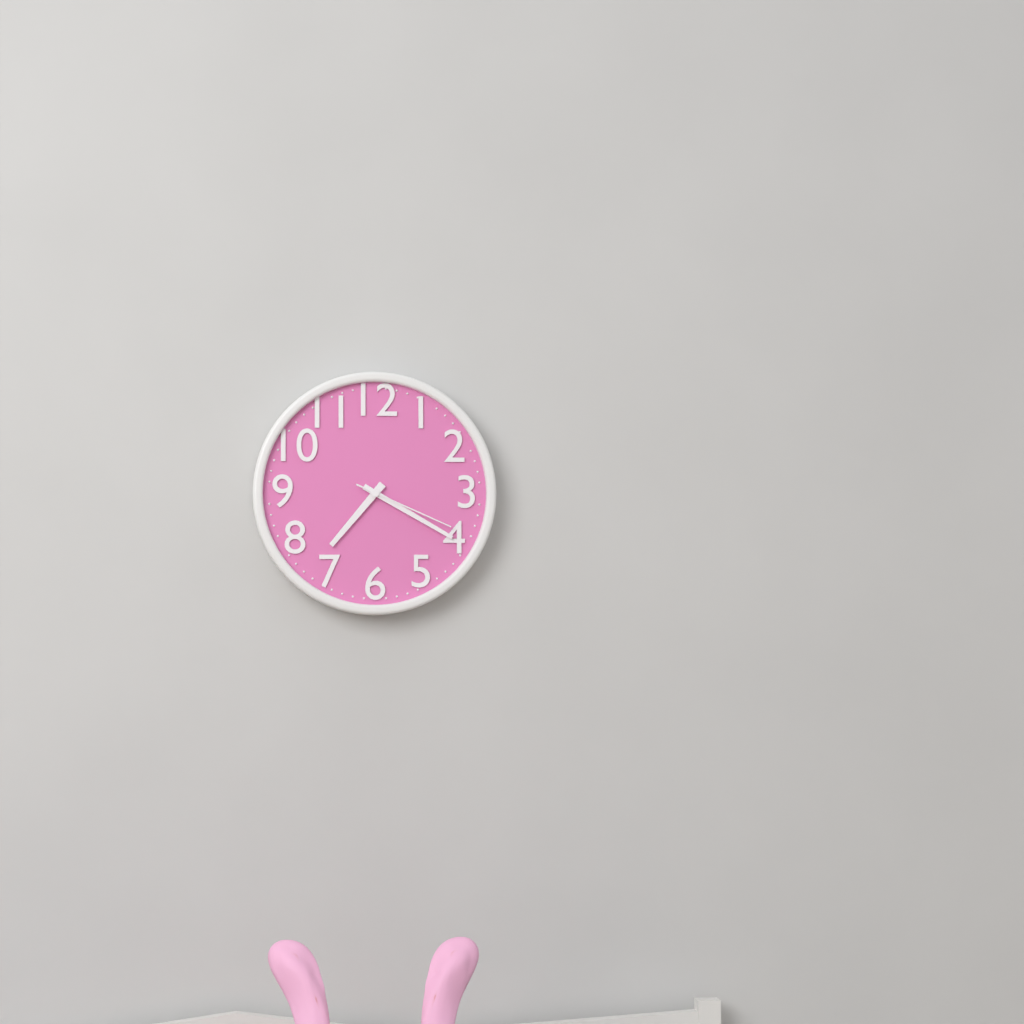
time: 7:20:19
